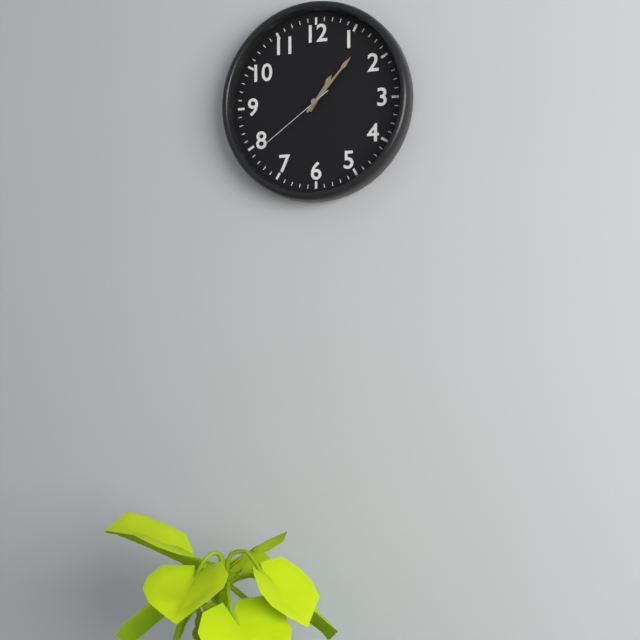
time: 1:07:39
